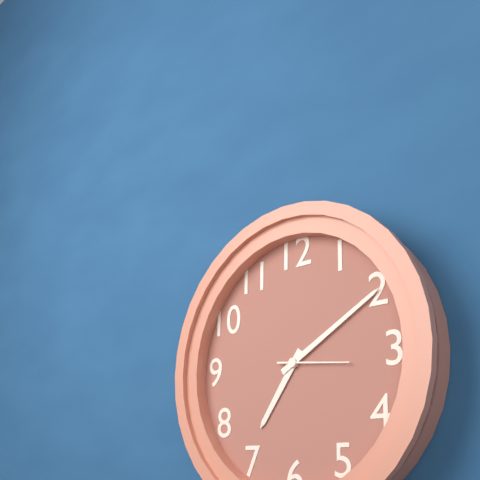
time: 7:10:16
